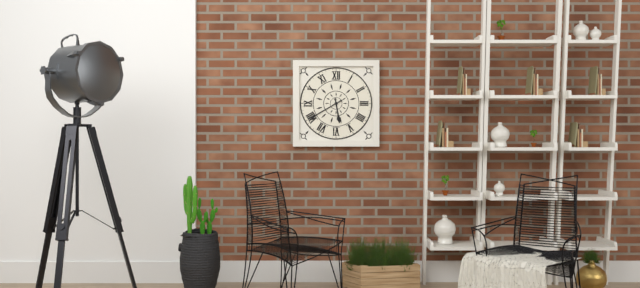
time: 5:40
